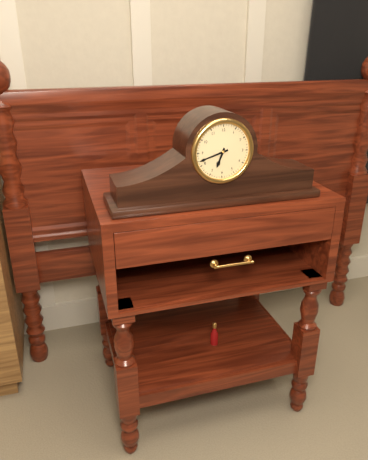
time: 6:42
